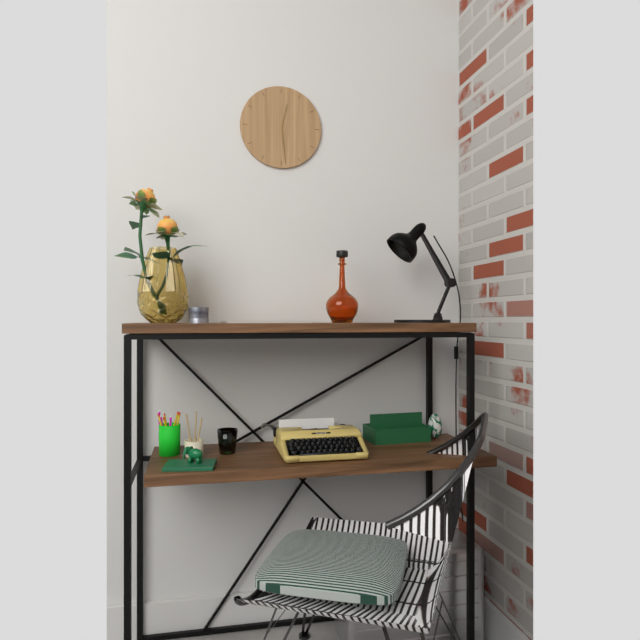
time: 12:29
